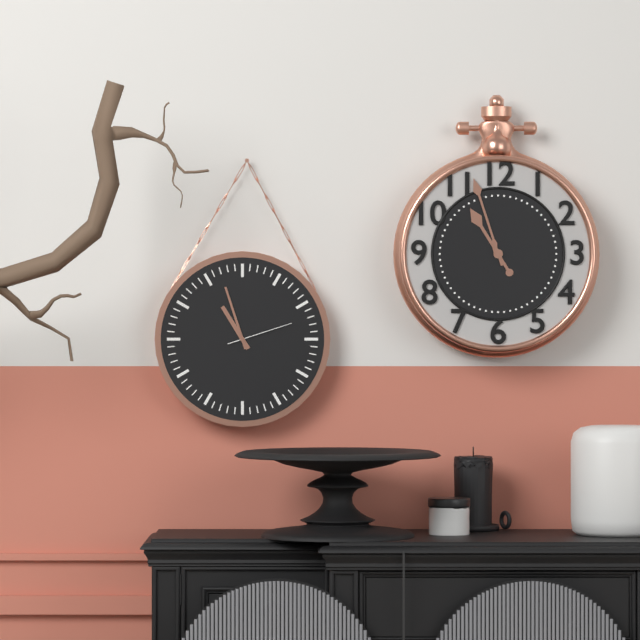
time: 10:57:12
